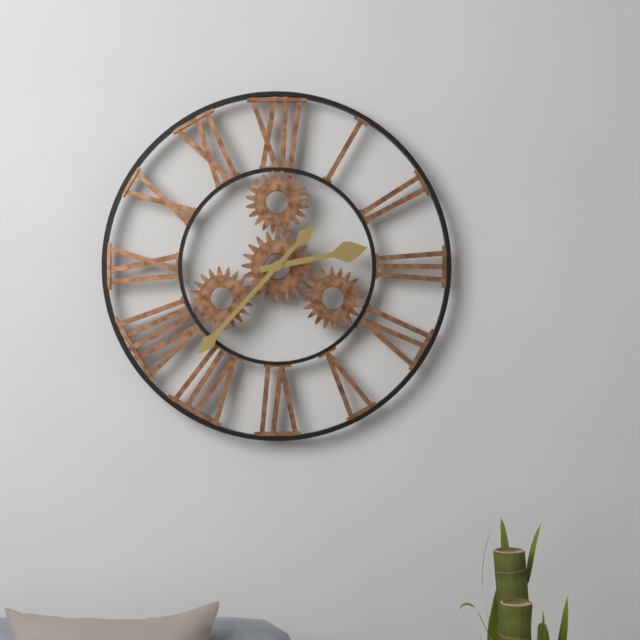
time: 2:37
